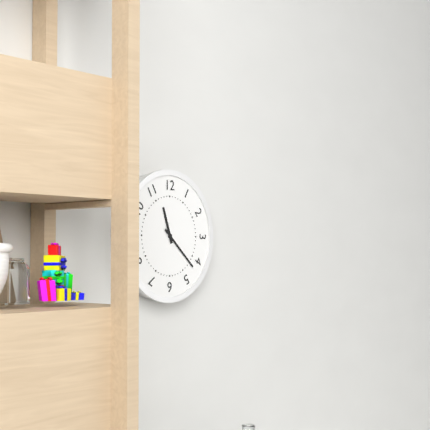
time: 11:22
